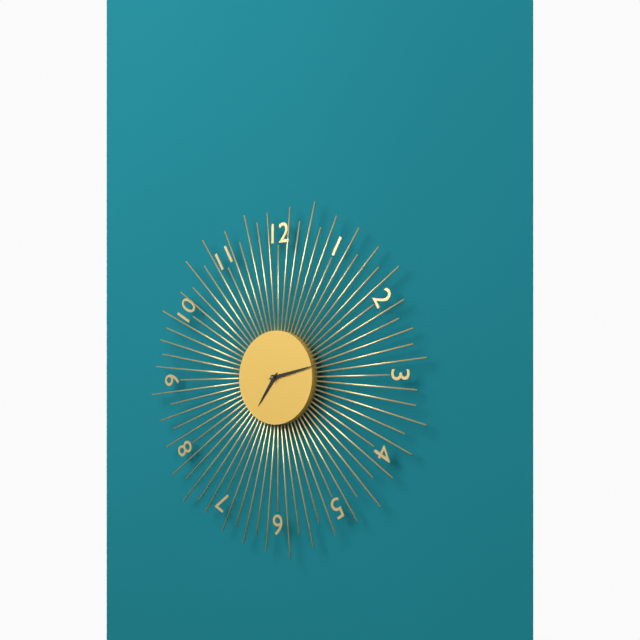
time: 7:13
